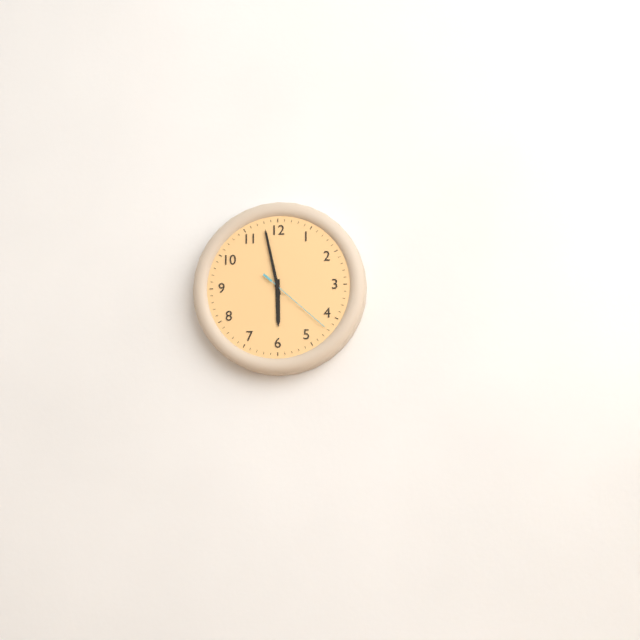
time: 5:58:22
